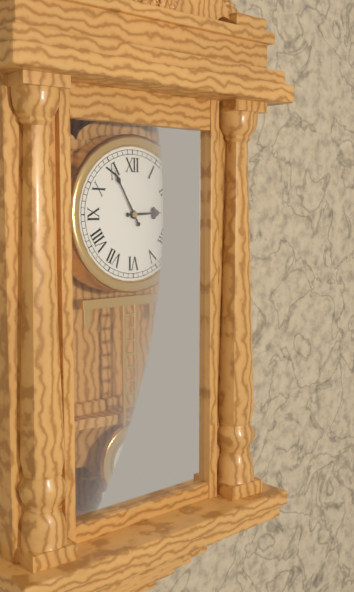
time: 2:55
